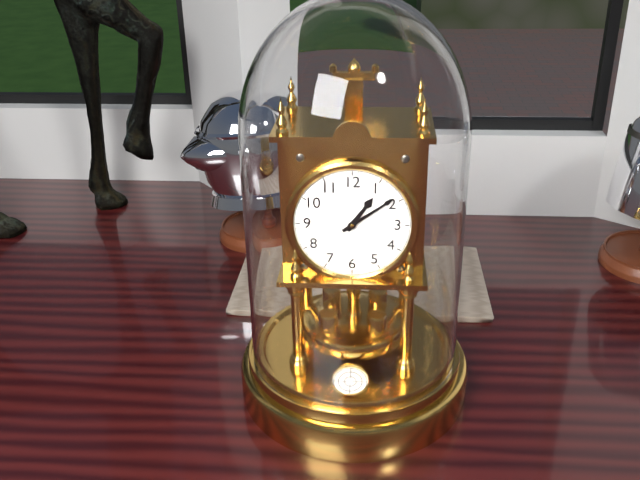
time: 1:09
